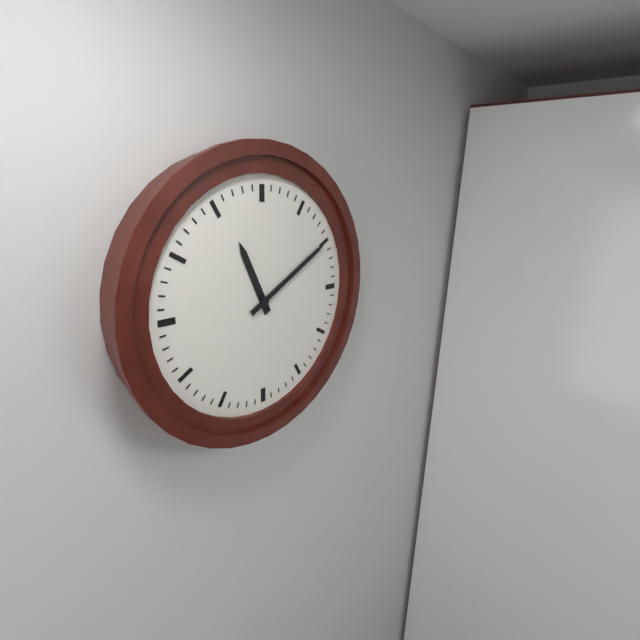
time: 11:10
